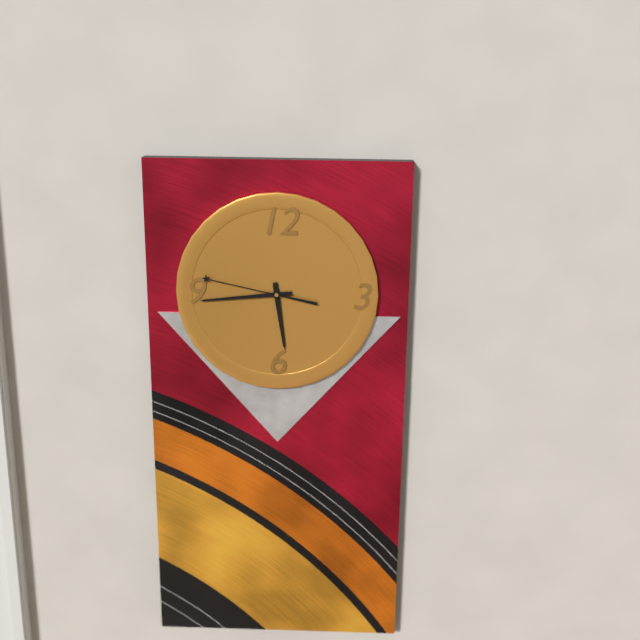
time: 5:44:47
